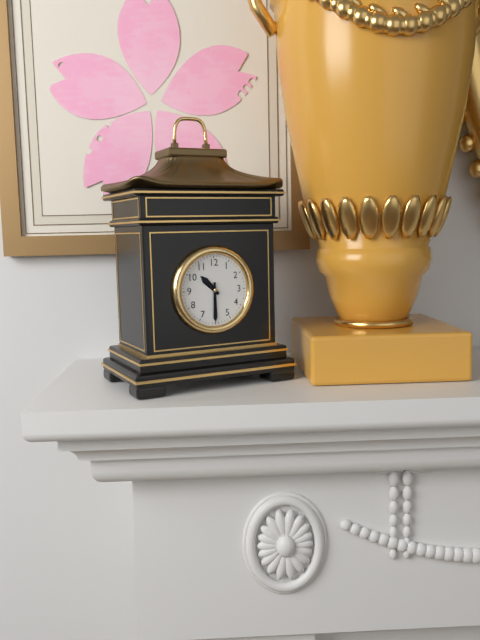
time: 10:30
